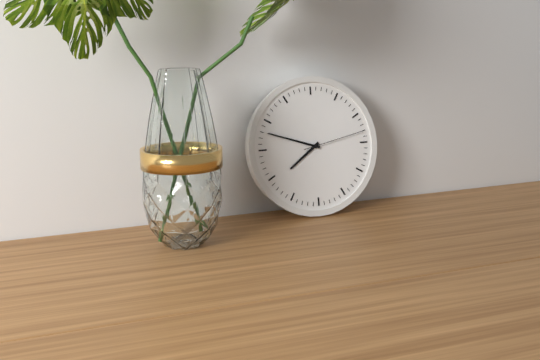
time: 7:48:13
